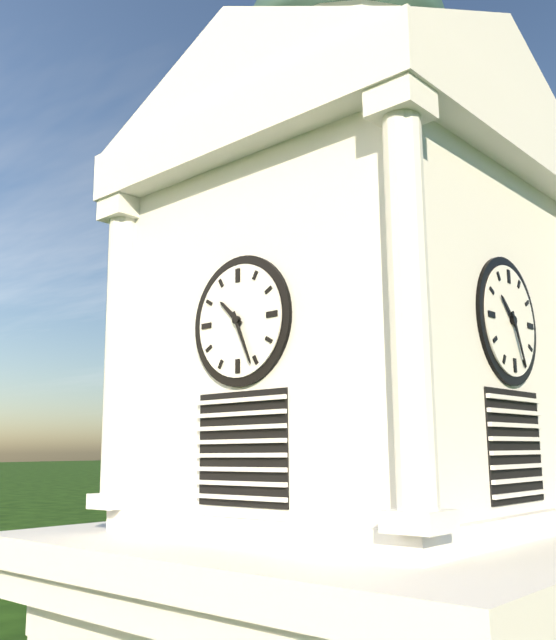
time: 10:26
